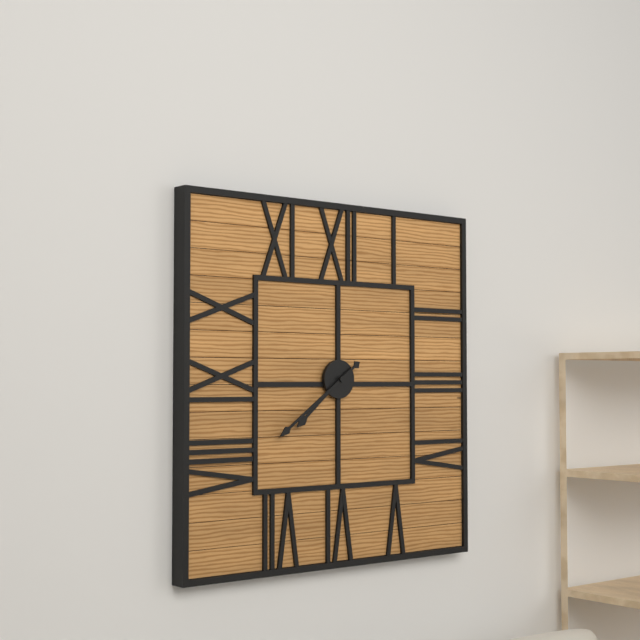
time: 7:39
